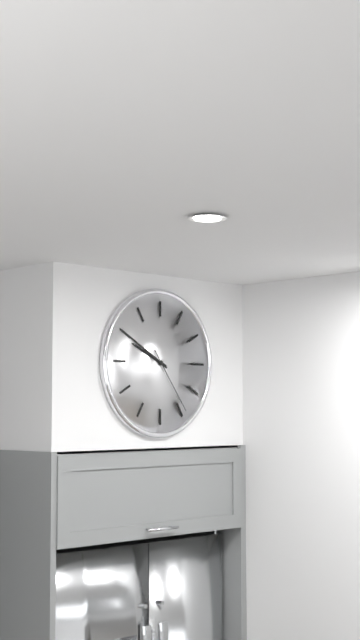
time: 9:50:24
